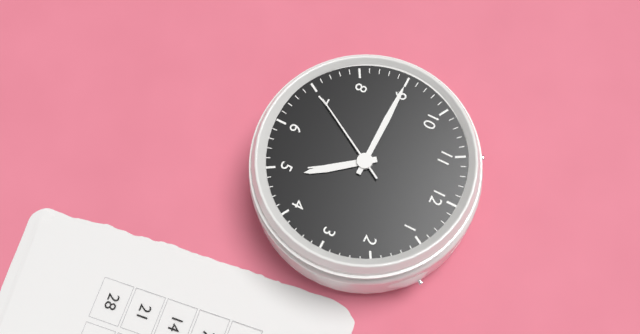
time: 4:45:35
